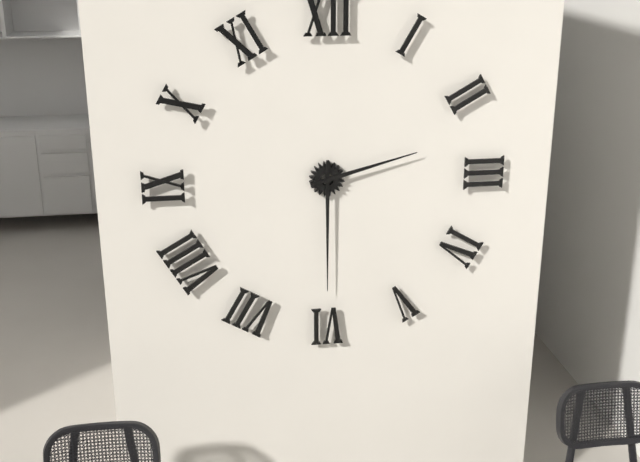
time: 2:30
